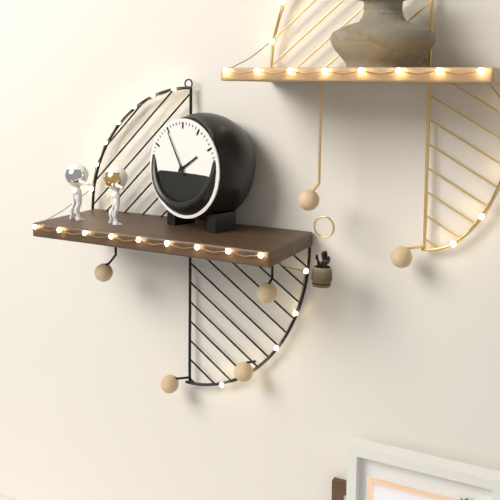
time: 1:55
